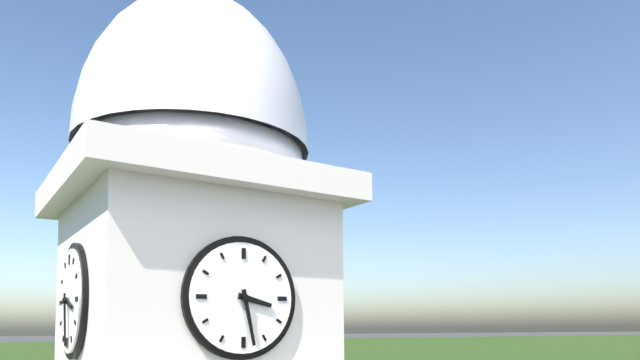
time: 3:28
